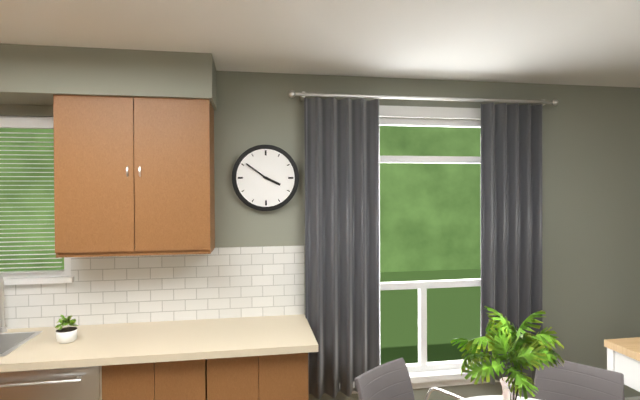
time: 3:51
